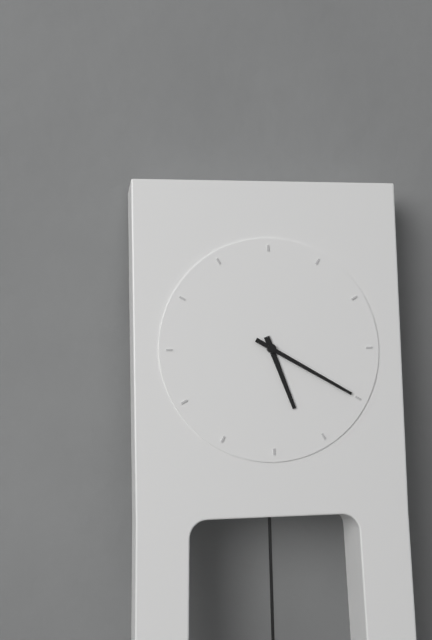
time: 5:20
